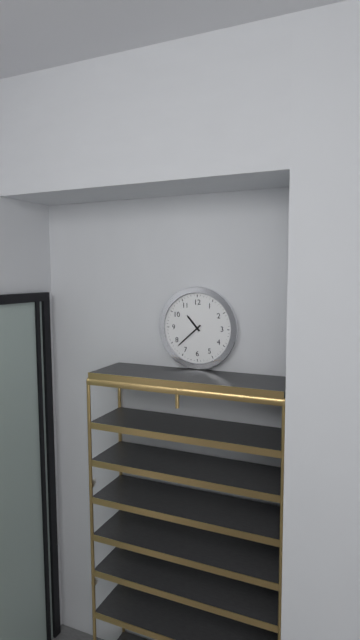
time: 10:38
